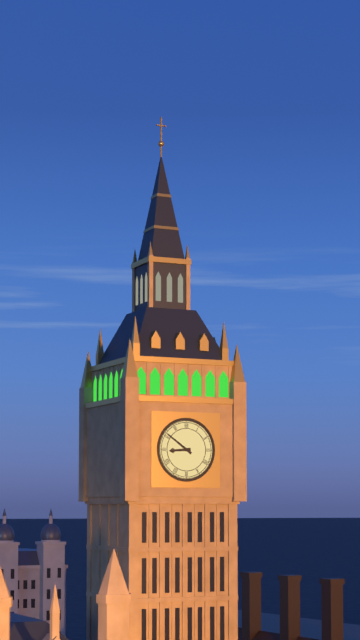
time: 8:51
